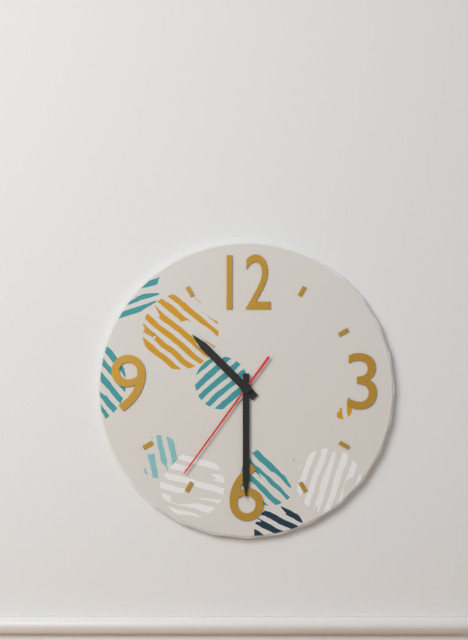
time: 10:30:36
